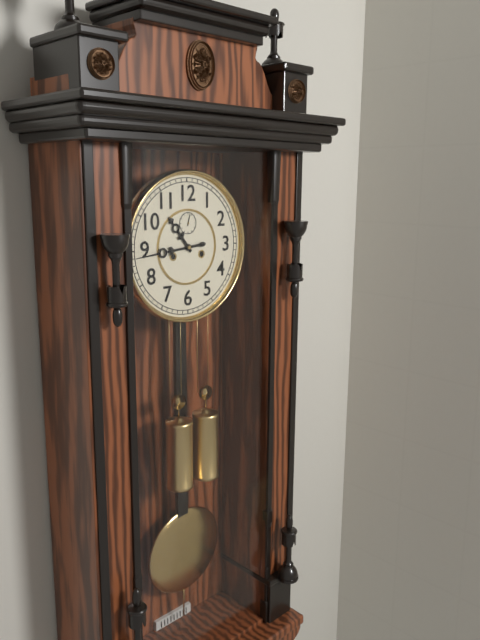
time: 10:44
